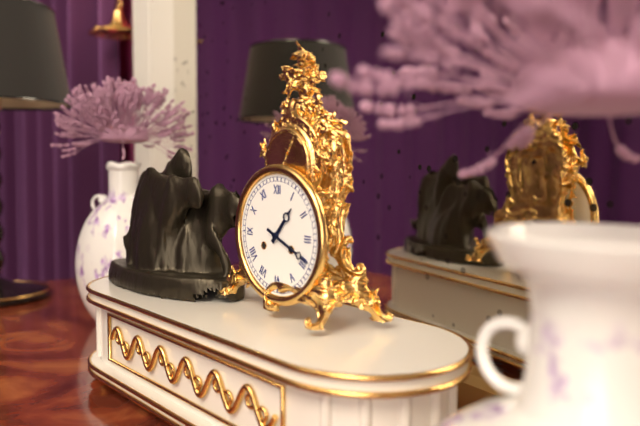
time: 1:19
